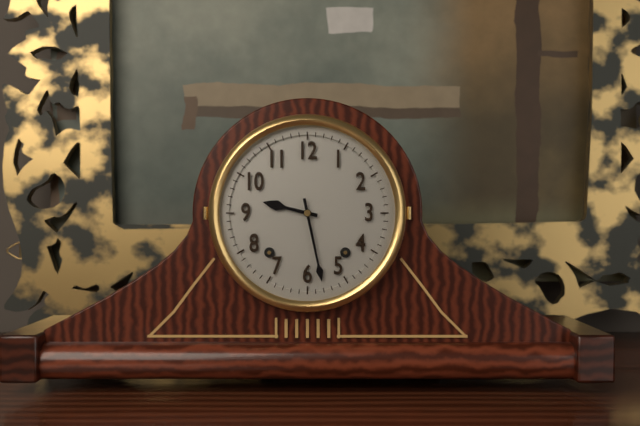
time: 9:28
